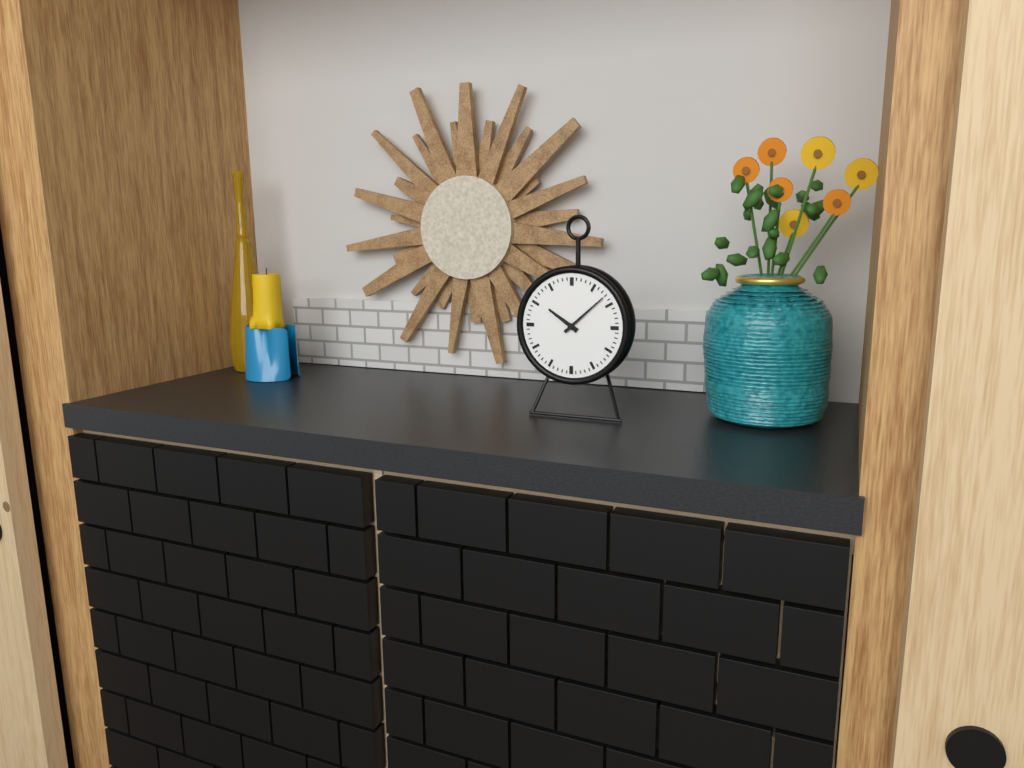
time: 10:08
